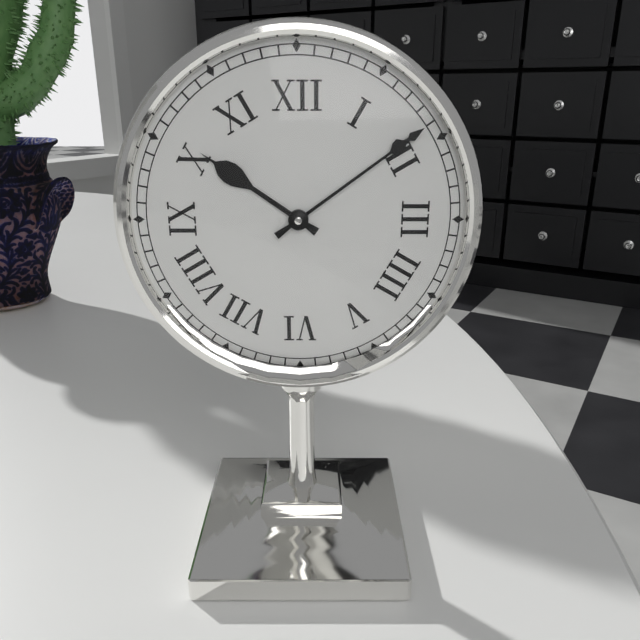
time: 10:09
